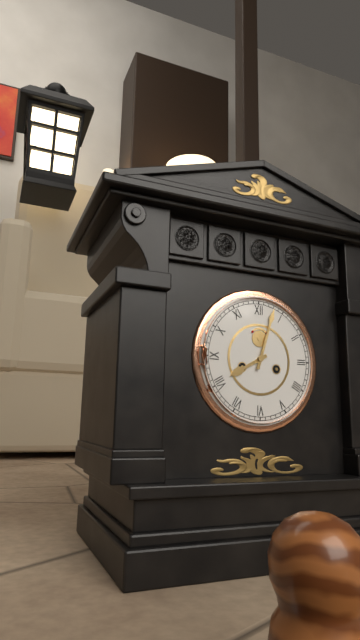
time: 8:03
